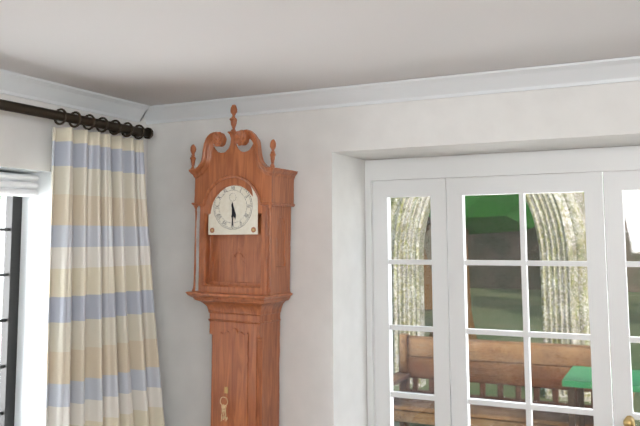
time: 5:30
